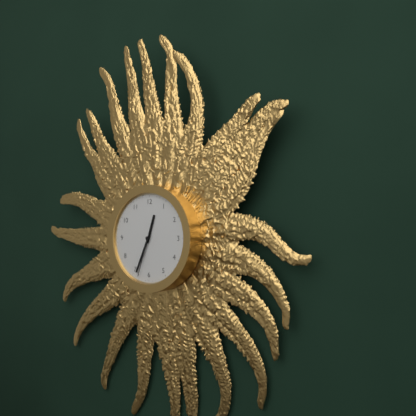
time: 12:34
